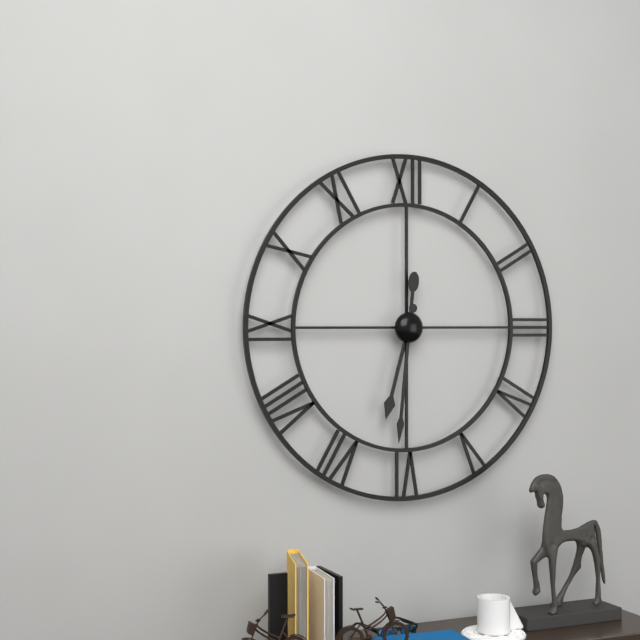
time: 6:31
